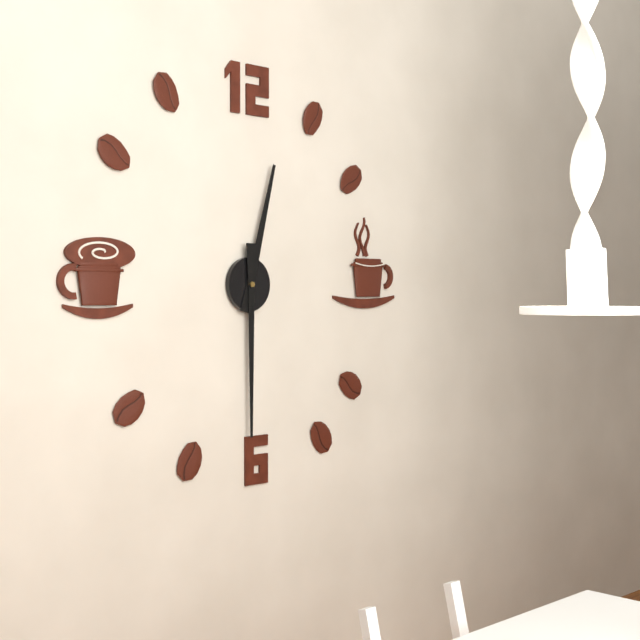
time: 12:30
